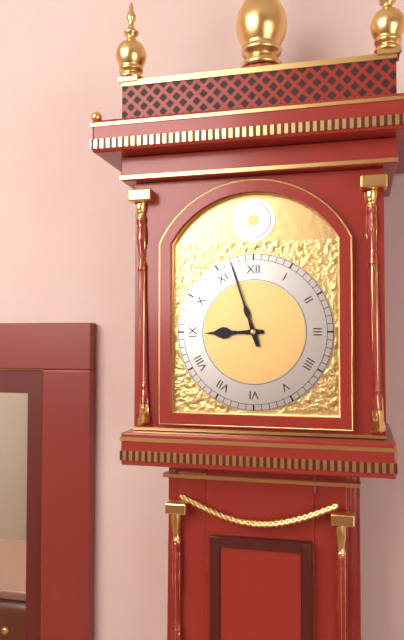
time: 8:57
